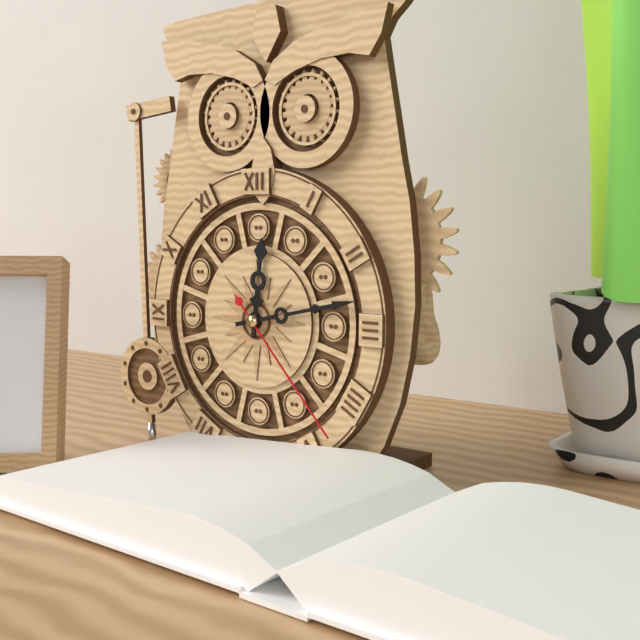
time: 12:13:23
